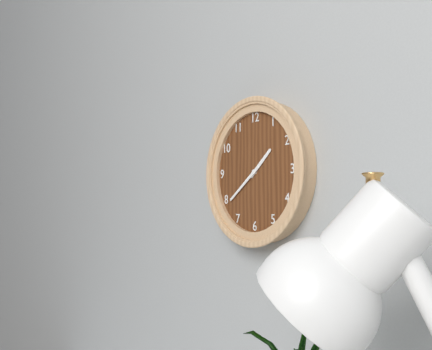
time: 1:39
